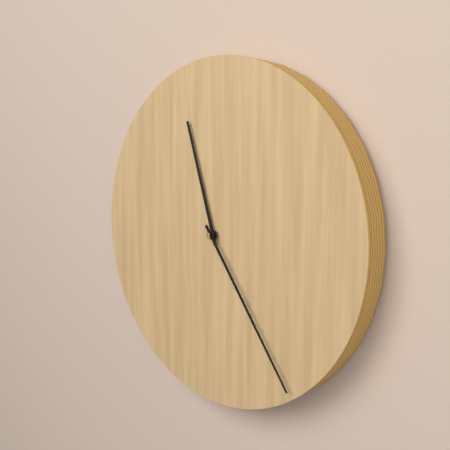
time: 11:24
